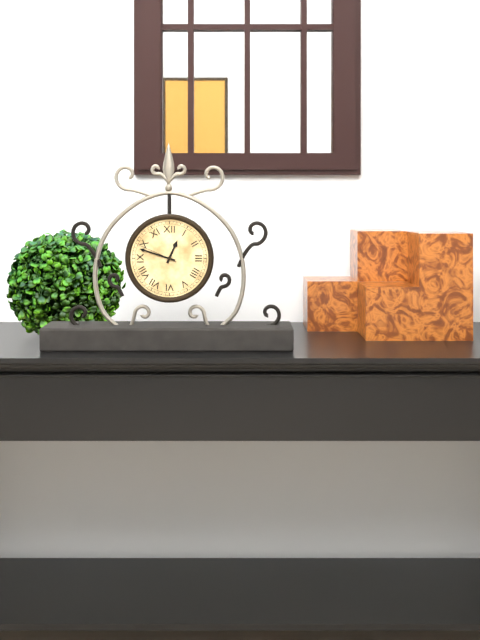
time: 12:48
